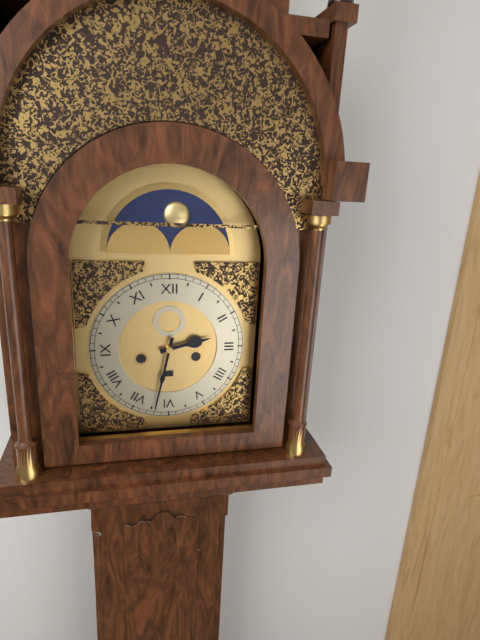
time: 2:32
